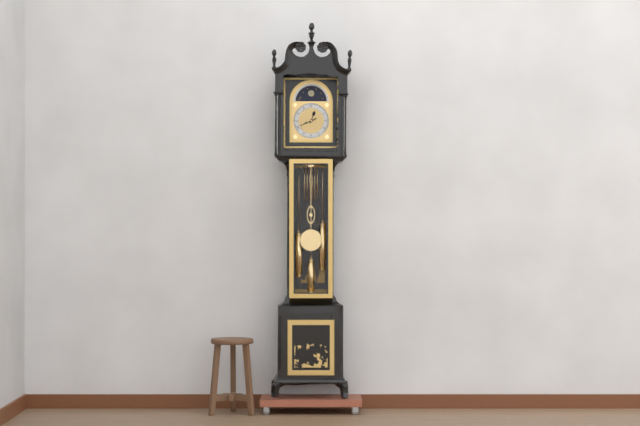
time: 12:41
